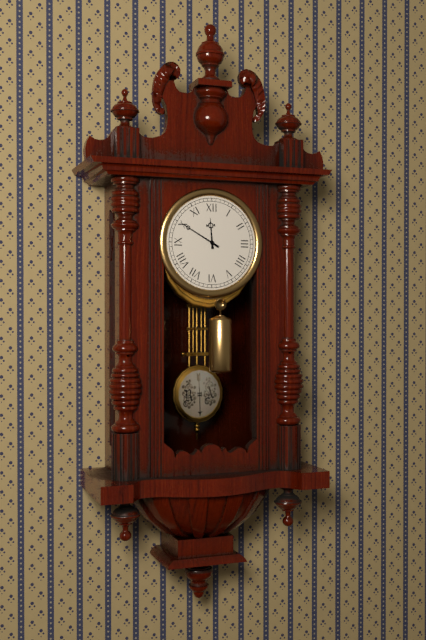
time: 11:50
